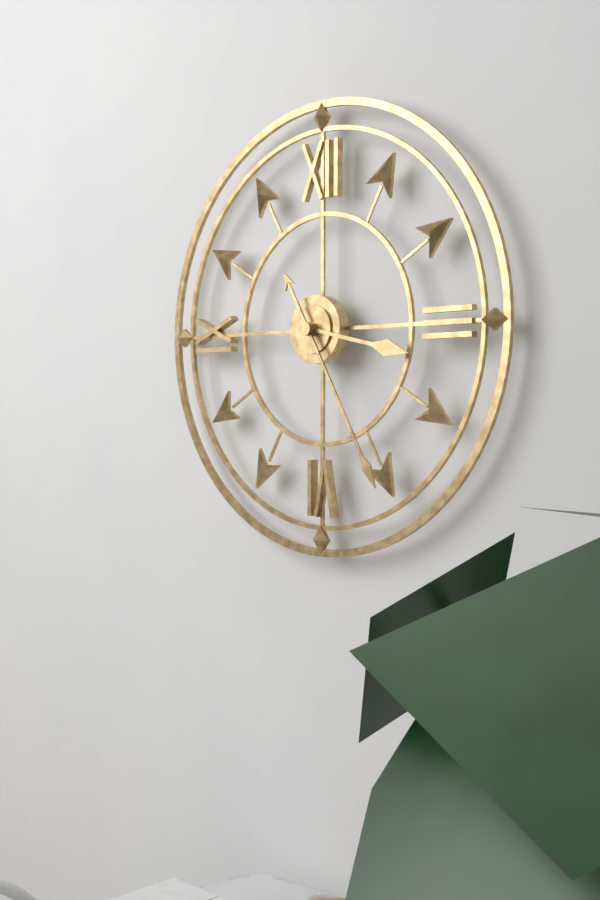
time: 3:25
